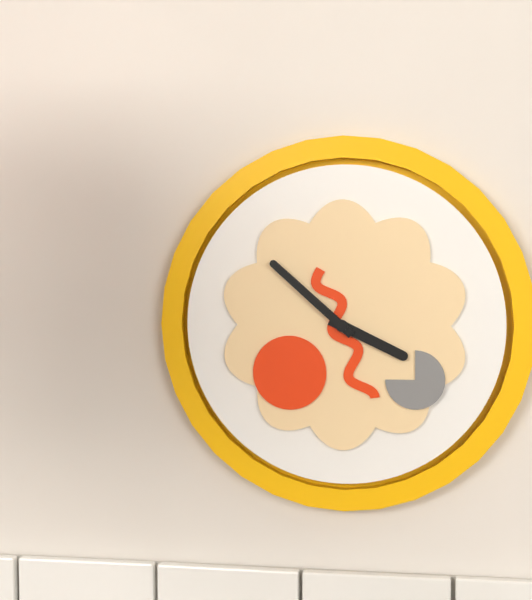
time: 3:52
